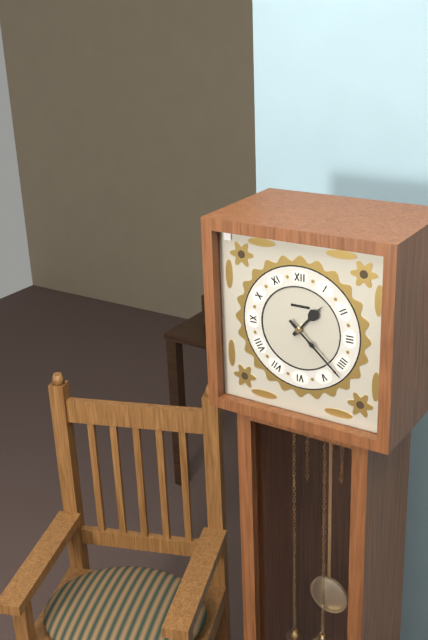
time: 1:22
